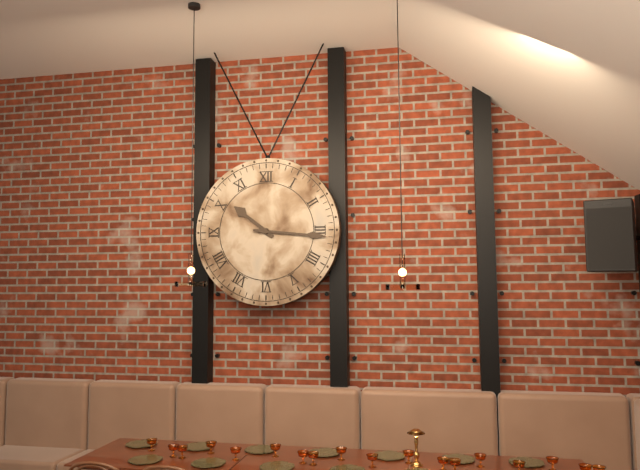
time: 10:16
